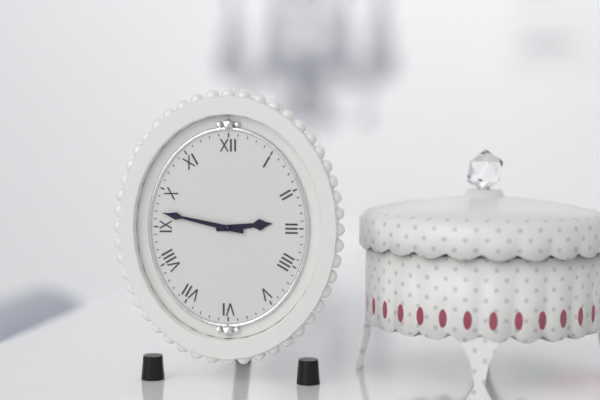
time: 2:47
